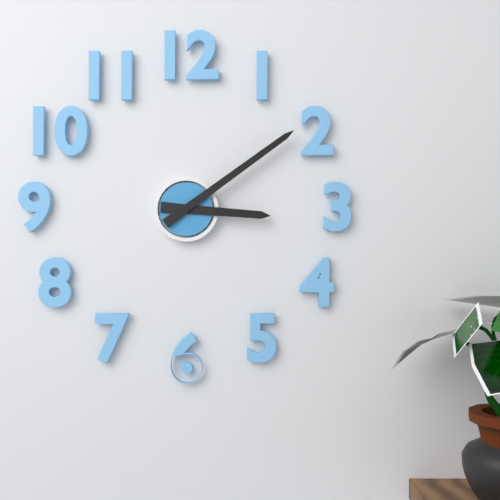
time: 3:09
